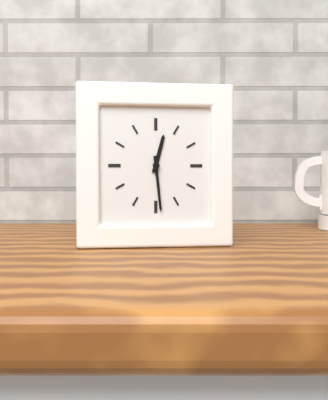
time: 12:29
